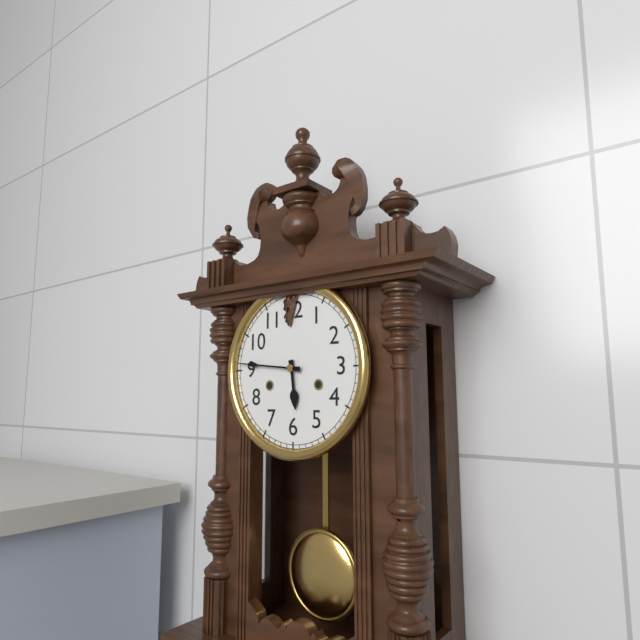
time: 5:46
